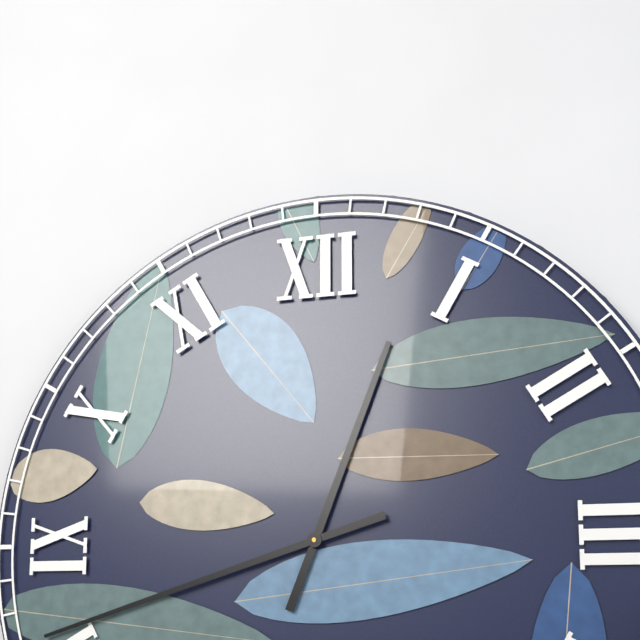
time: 12:42
